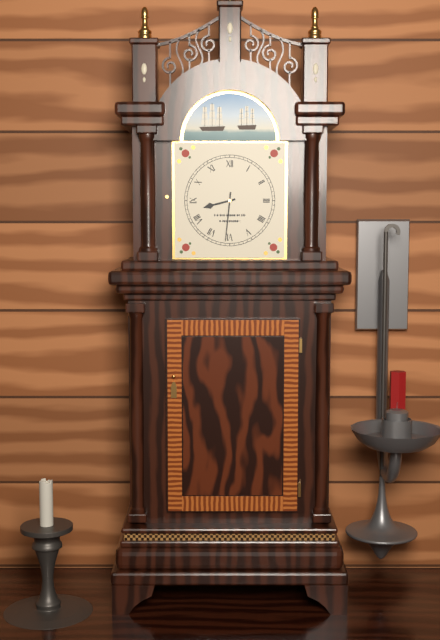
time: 8:31
